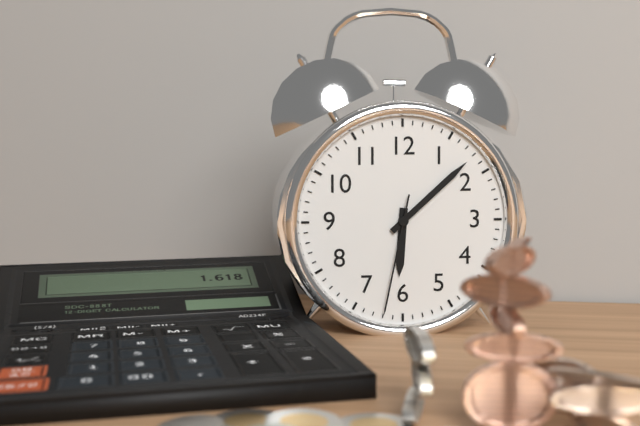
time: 6:08:32
